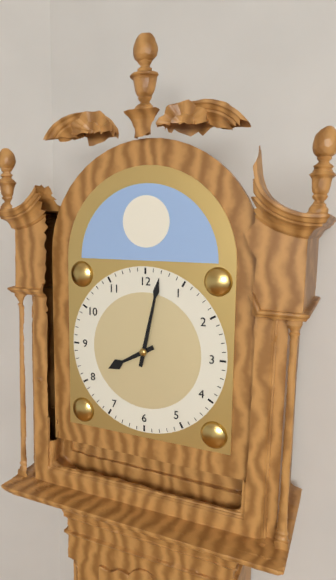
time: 8:02
